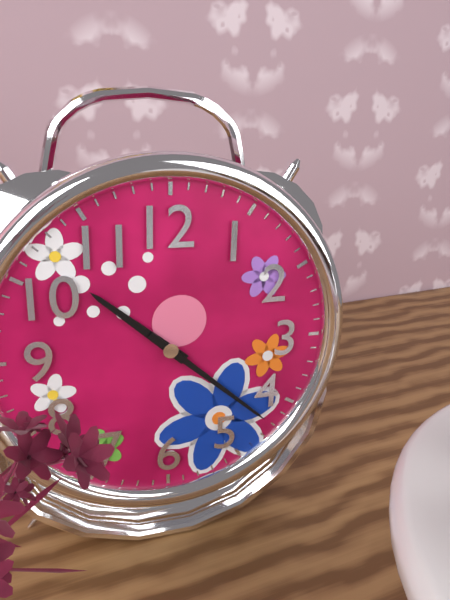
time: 10:22
